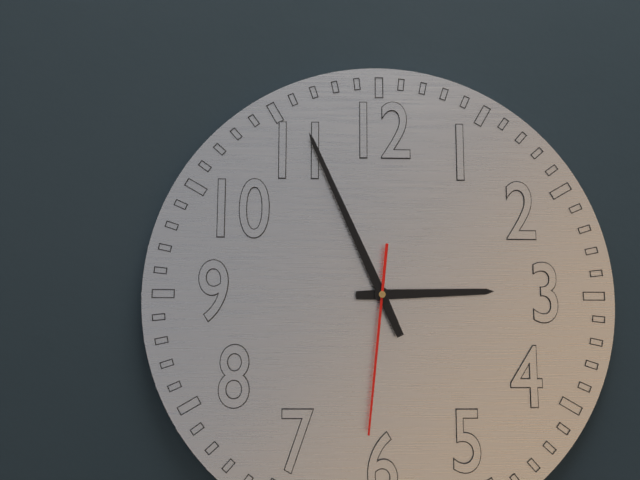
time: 2:56:31
